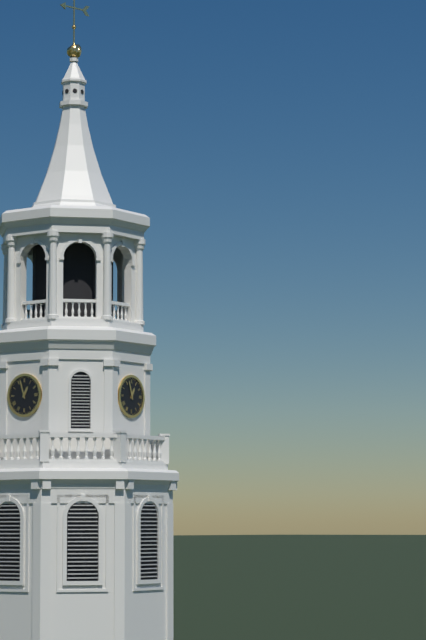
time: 12:57
